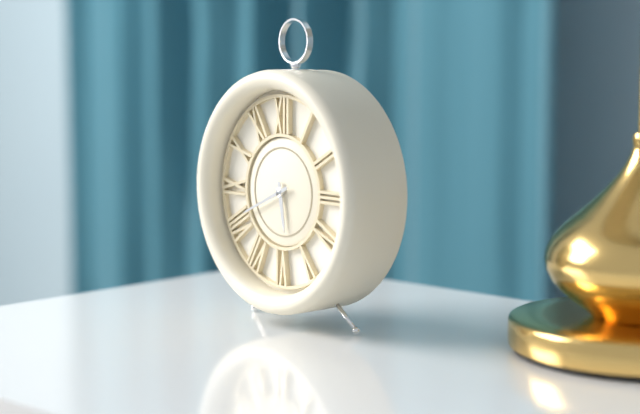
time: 5:41
